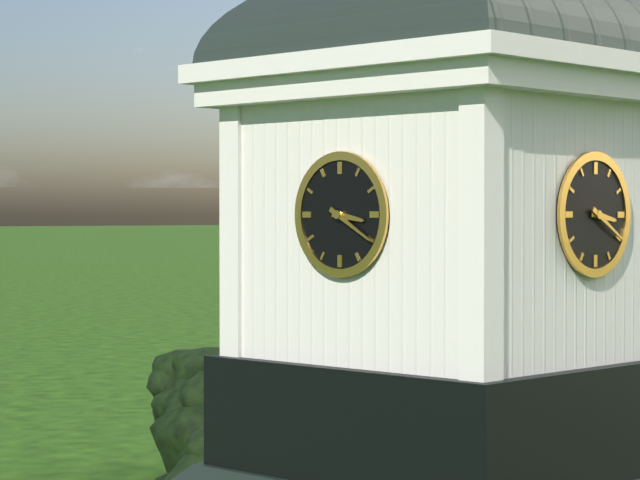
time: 3:20
